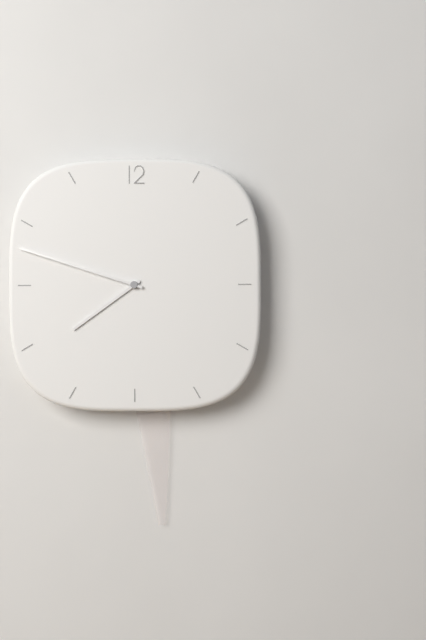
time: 7:48
